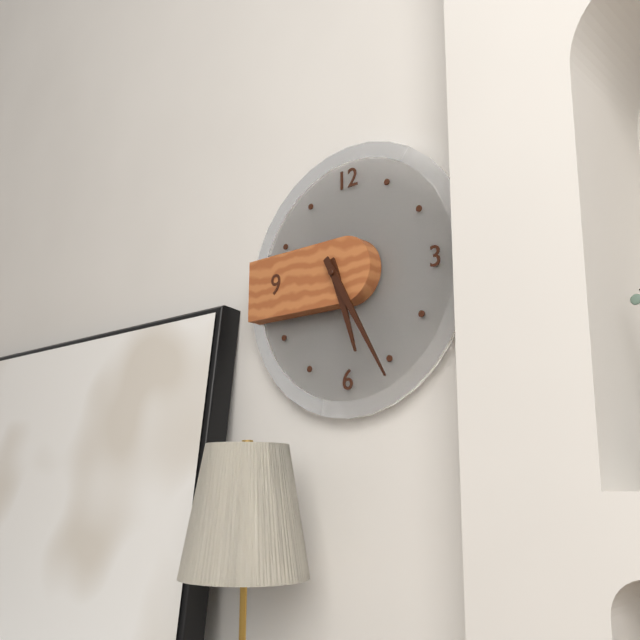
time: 5:25
